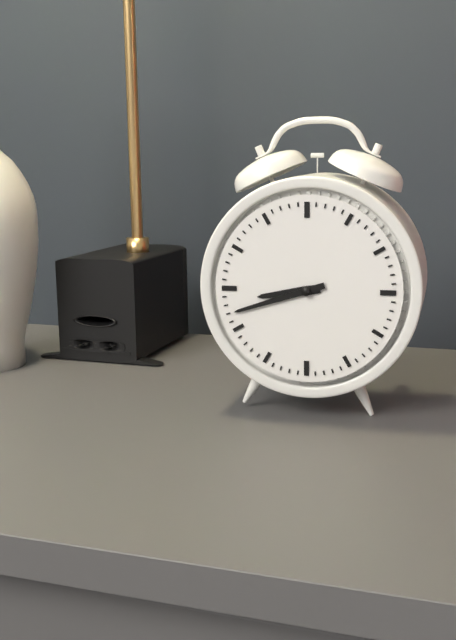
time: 8:42
